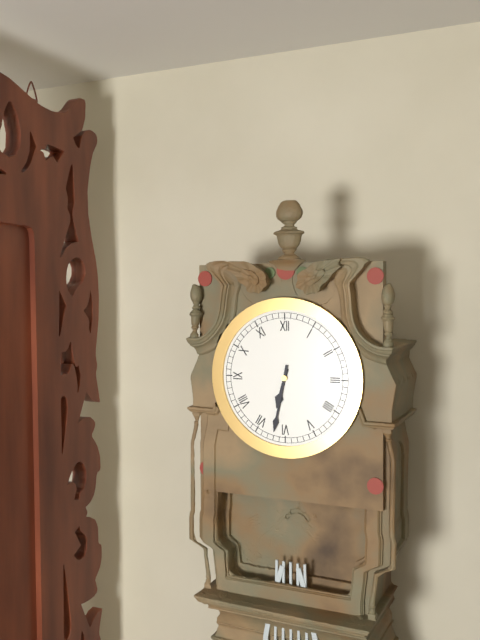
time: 6:32
